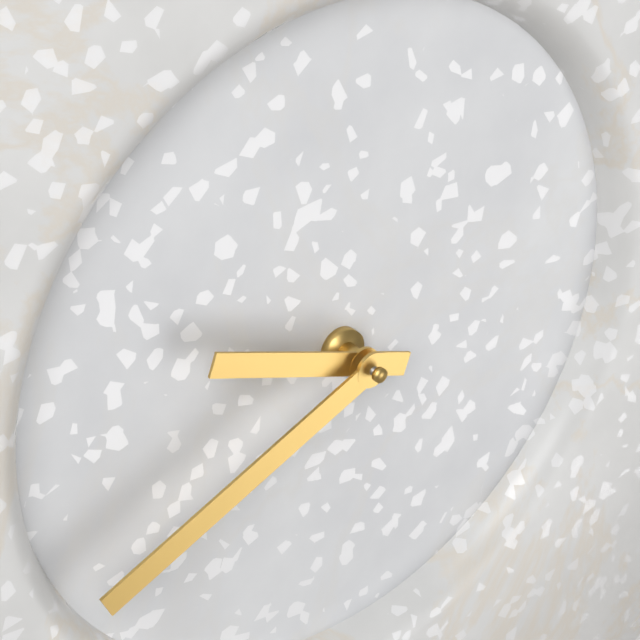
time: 9:41
